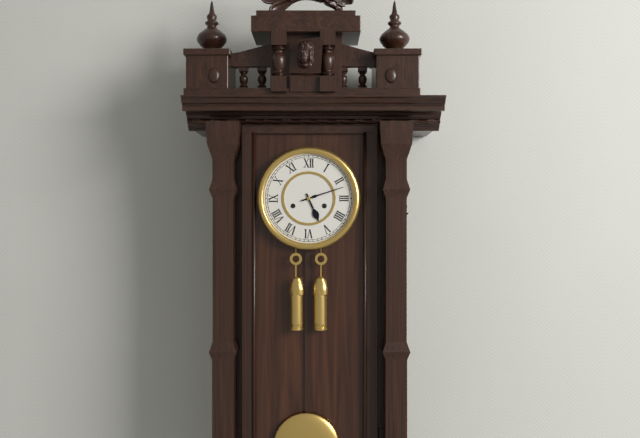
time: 5:12
